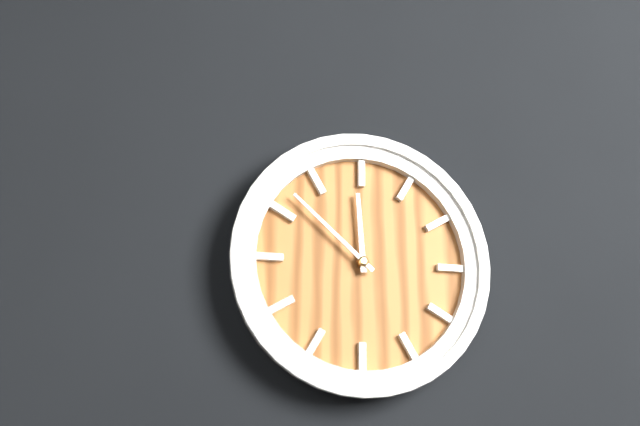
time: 11:52
